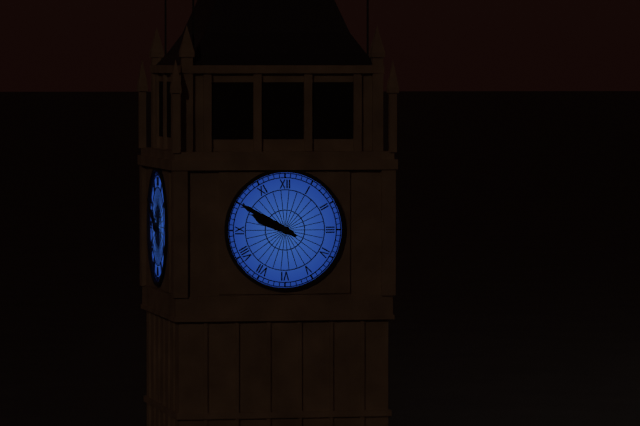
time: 9:50
